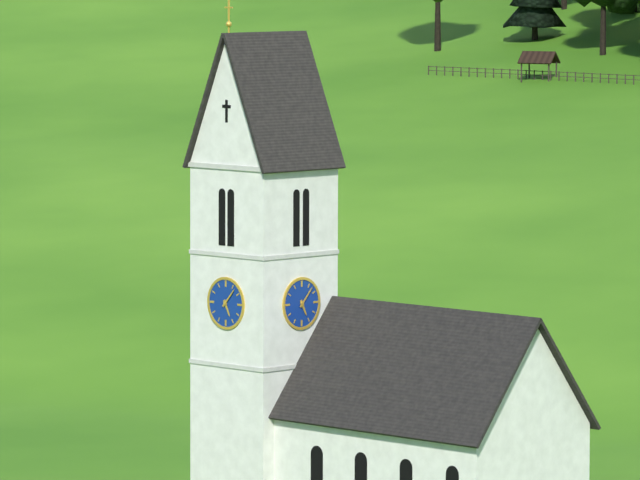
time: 5:07
